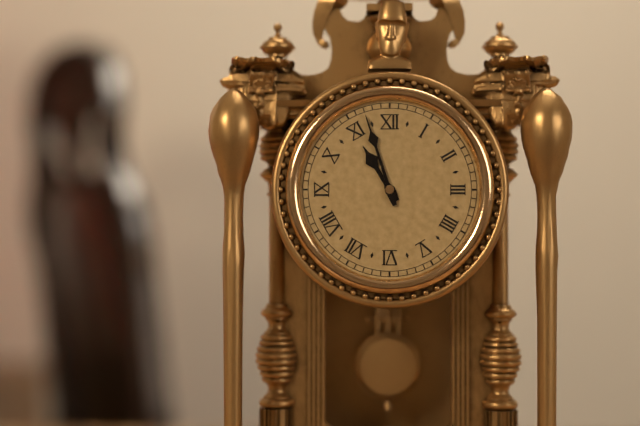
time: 10:57
